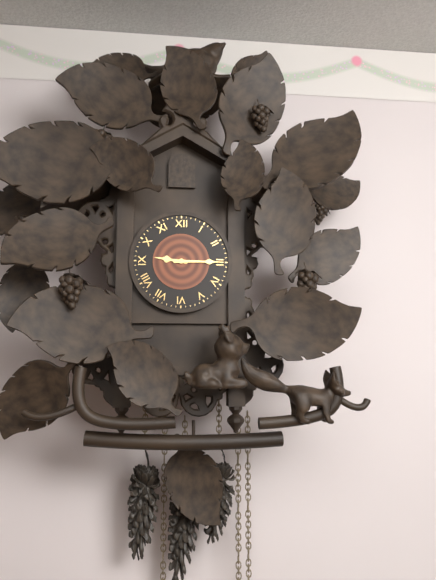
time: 9:15
